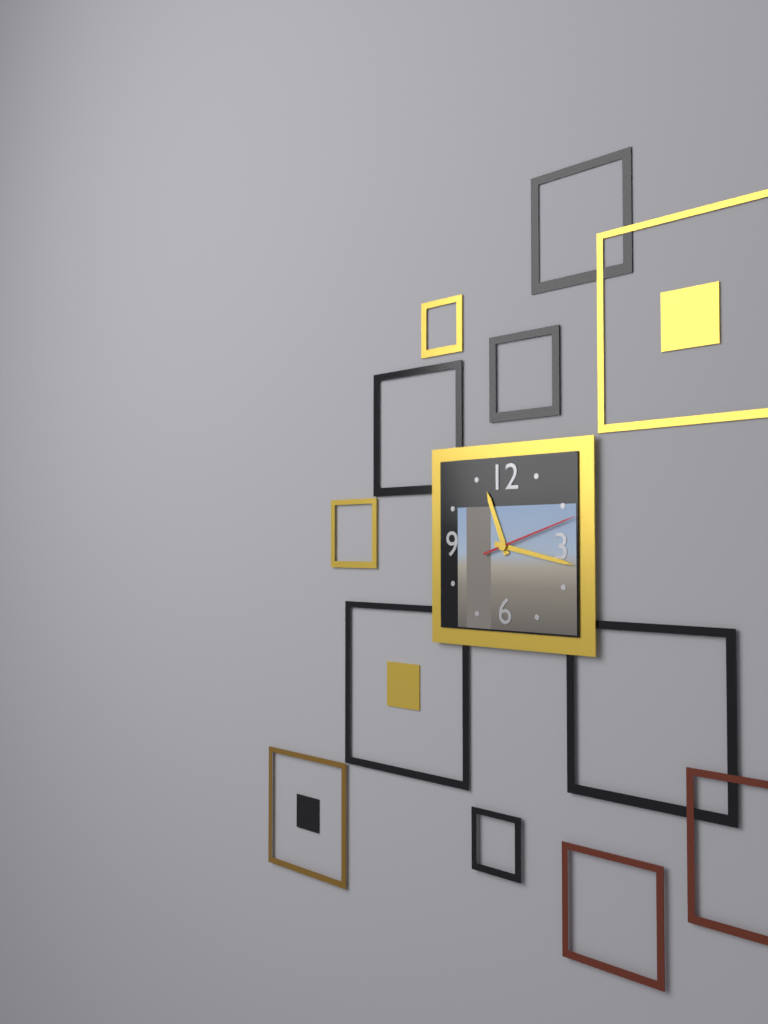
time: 11:17:12
